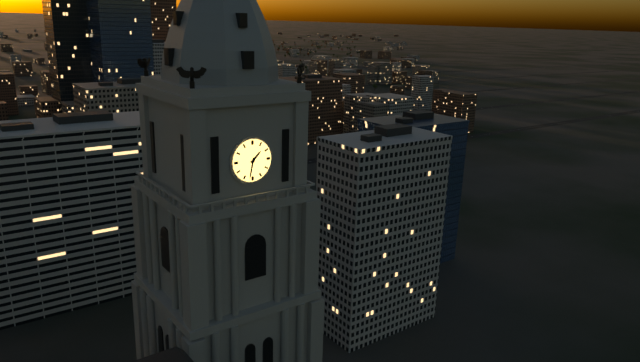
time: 1:32
